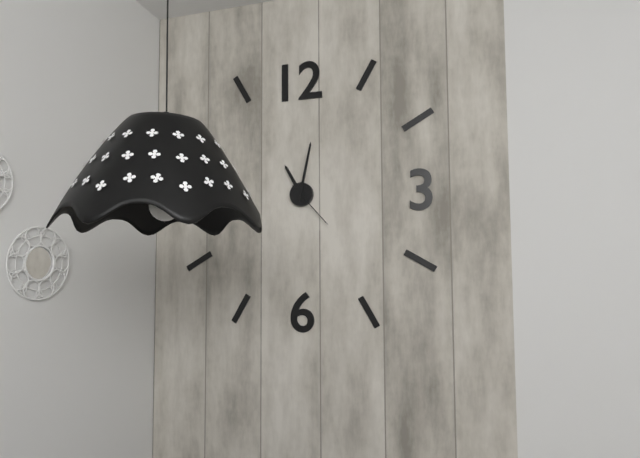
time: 11:02
